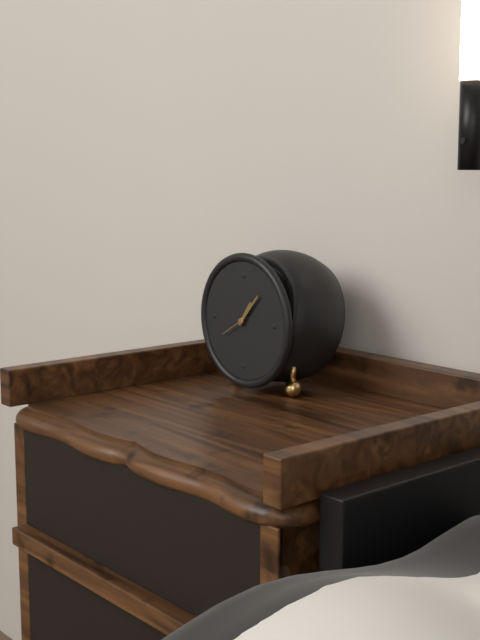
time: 1:07
